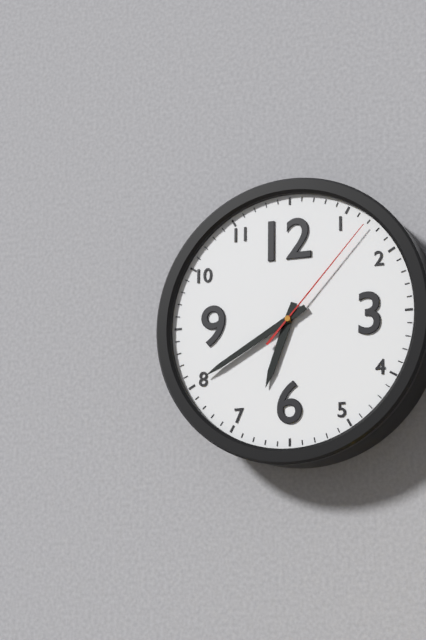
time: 6:40:07
